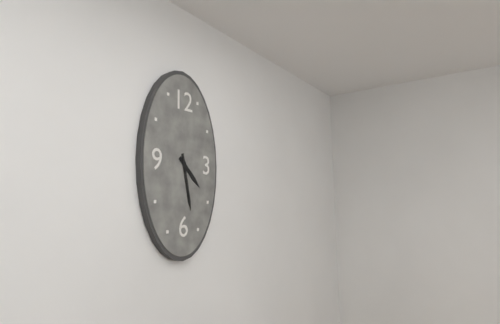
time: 4:28
